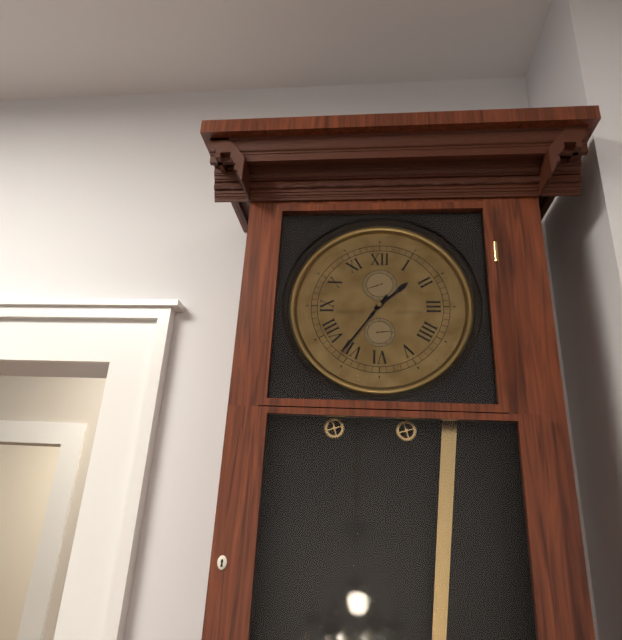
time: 1:36
